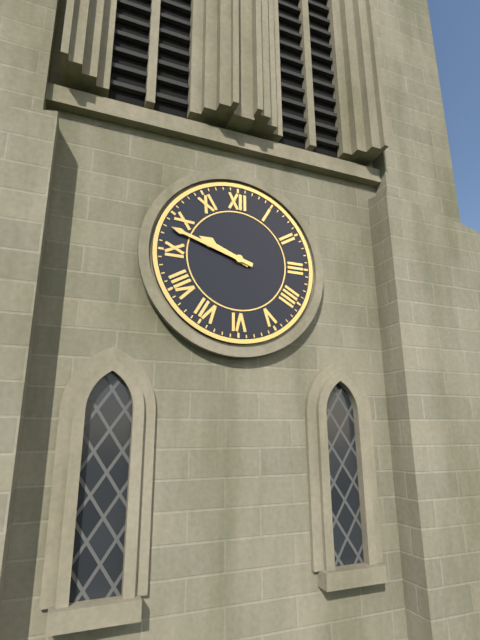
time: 9:48
